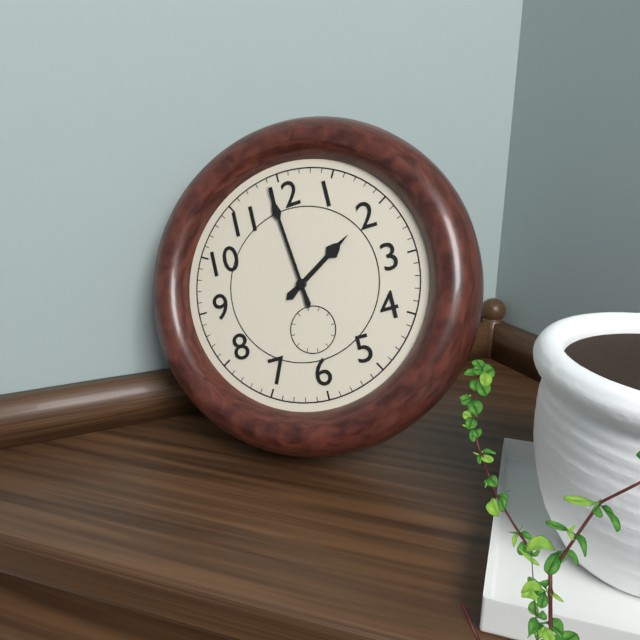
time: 1:59
